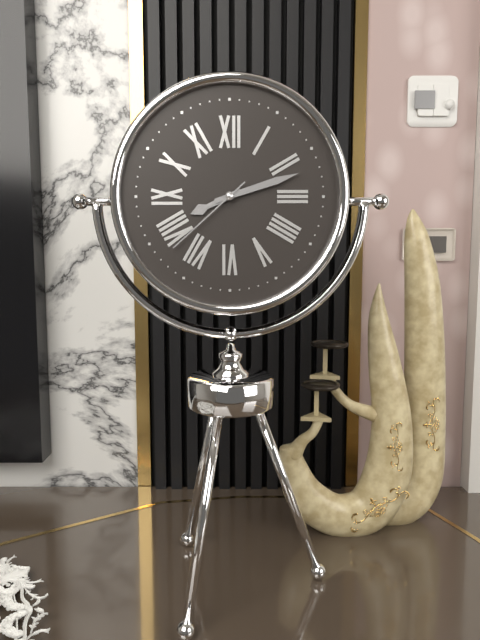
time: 8:12:38
